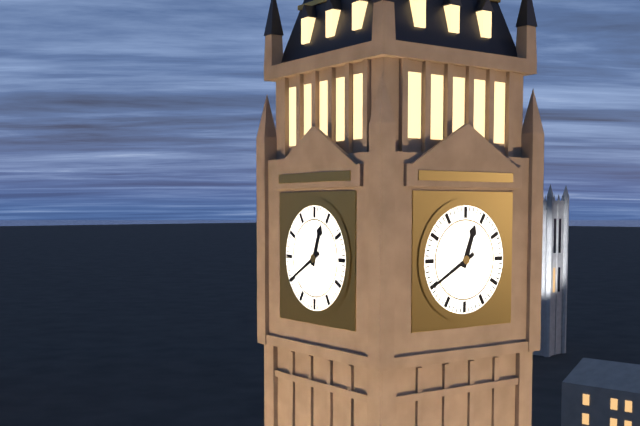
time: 12:40
